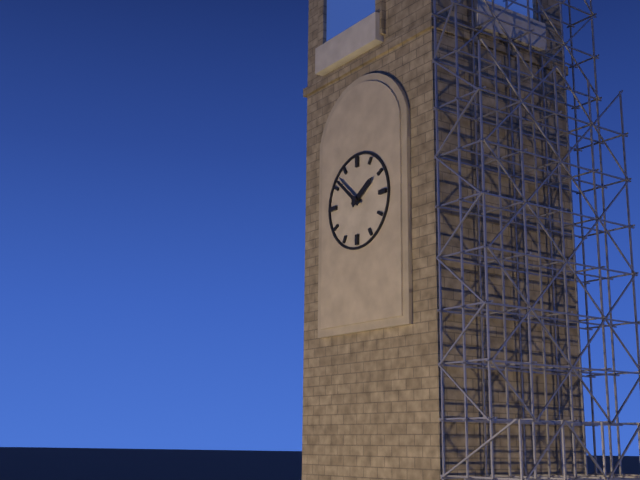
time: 1:52
